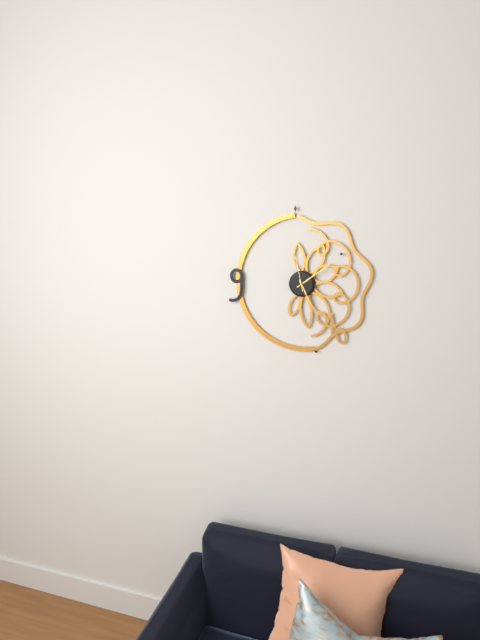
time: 5:09
